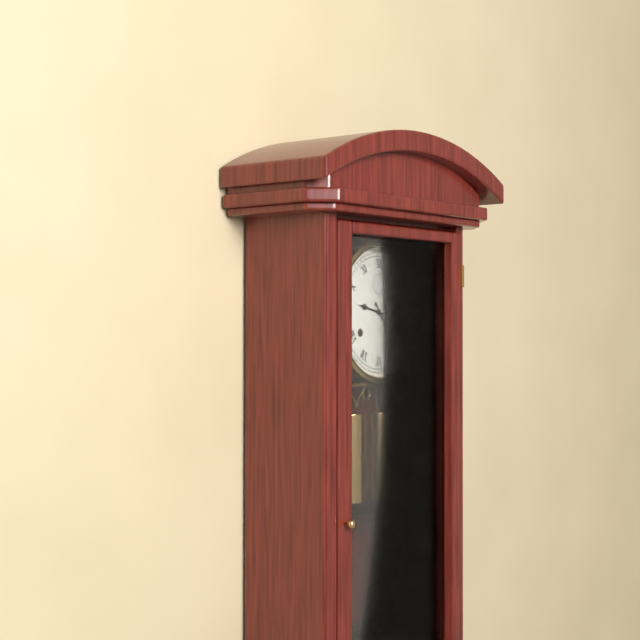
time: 9:24
